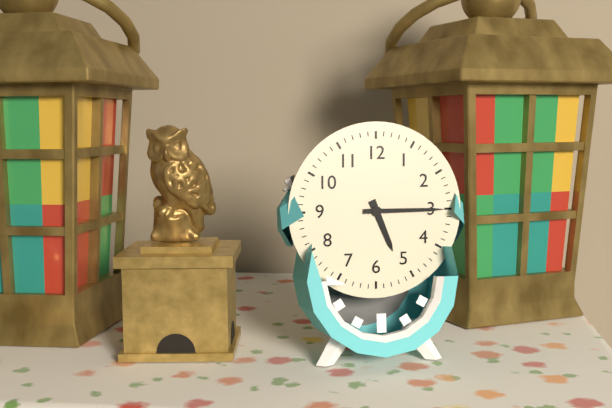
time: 5:15
